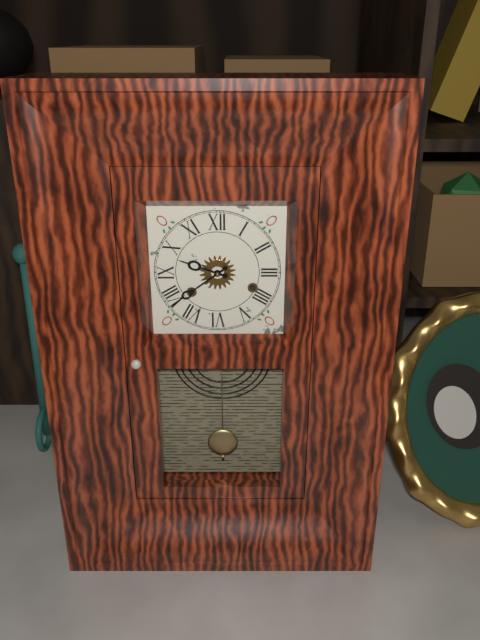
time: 9:39
